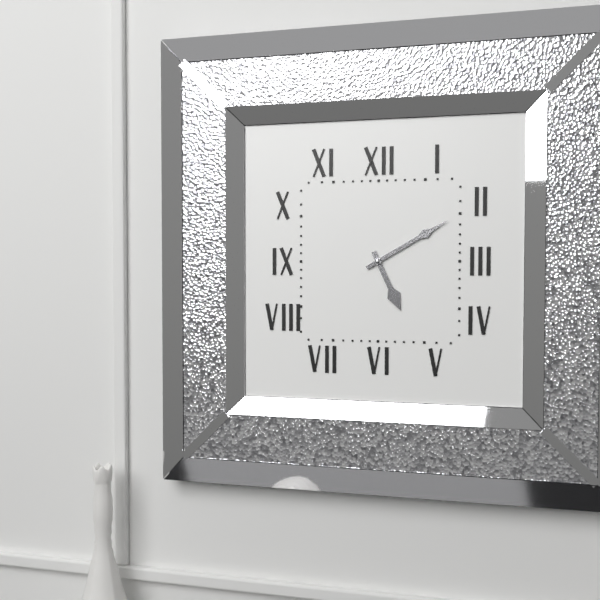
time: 5:10
